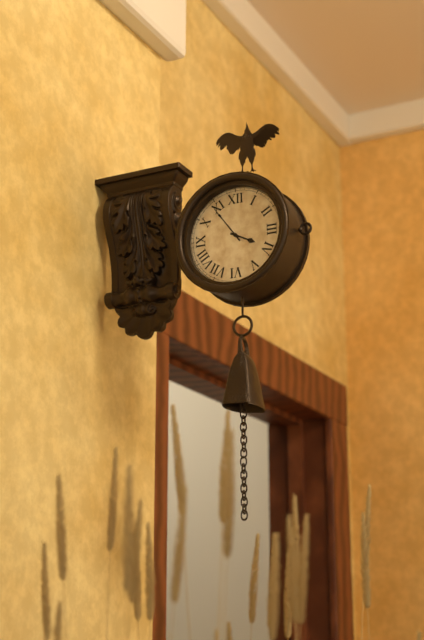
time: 3:54
